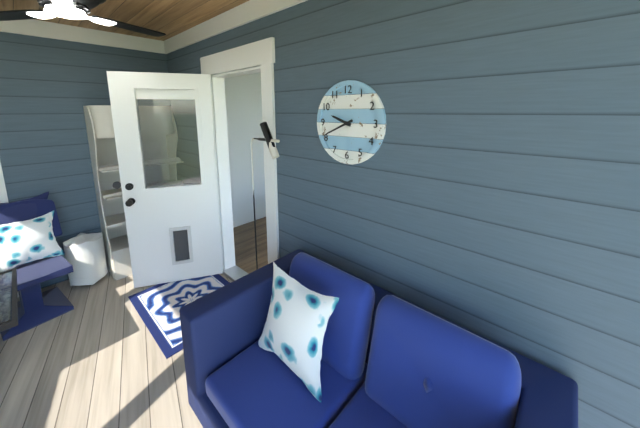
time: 9:41
